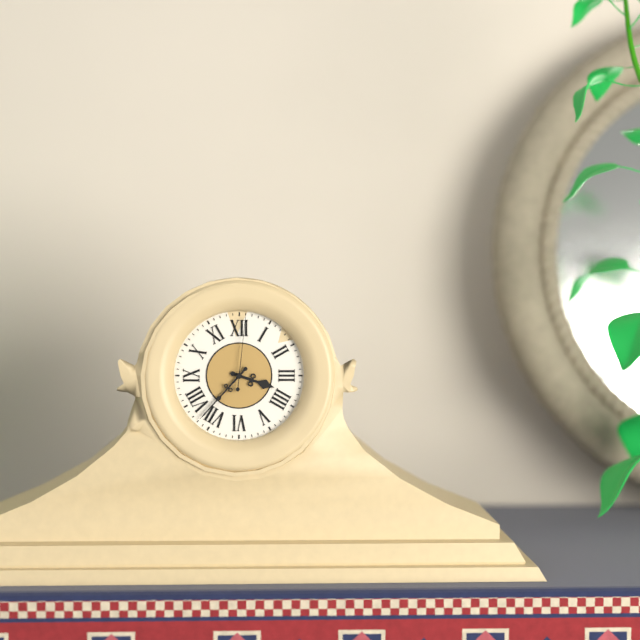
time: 3:37:01
